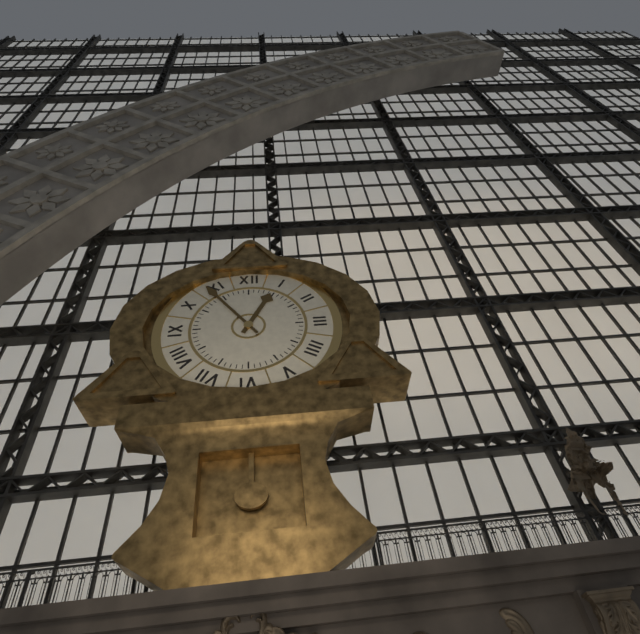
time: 12:54
